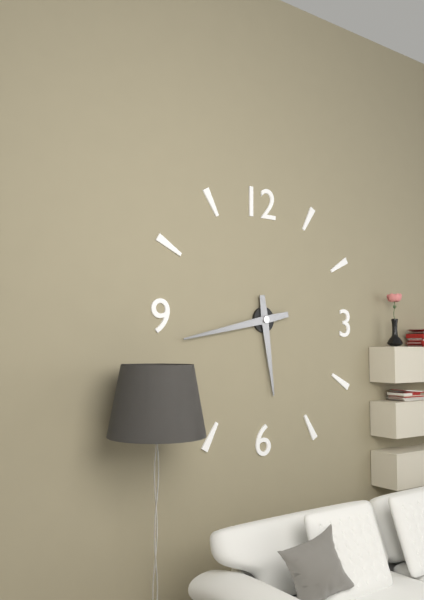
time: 5:43
